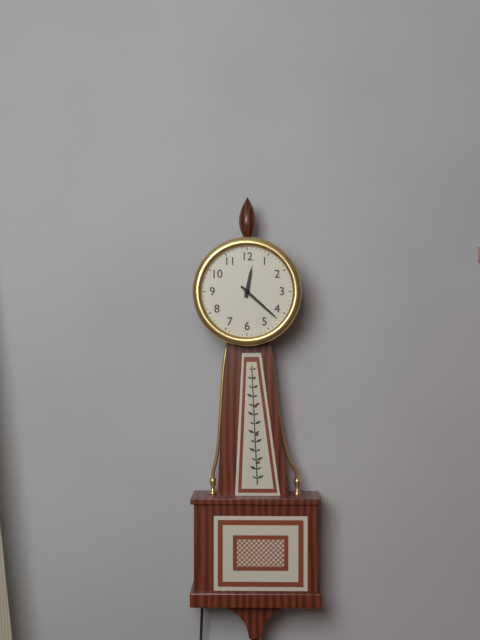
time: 12:22
